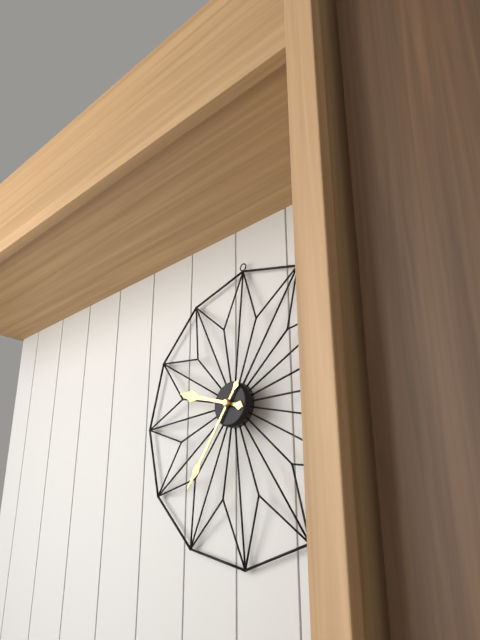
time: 9:36
